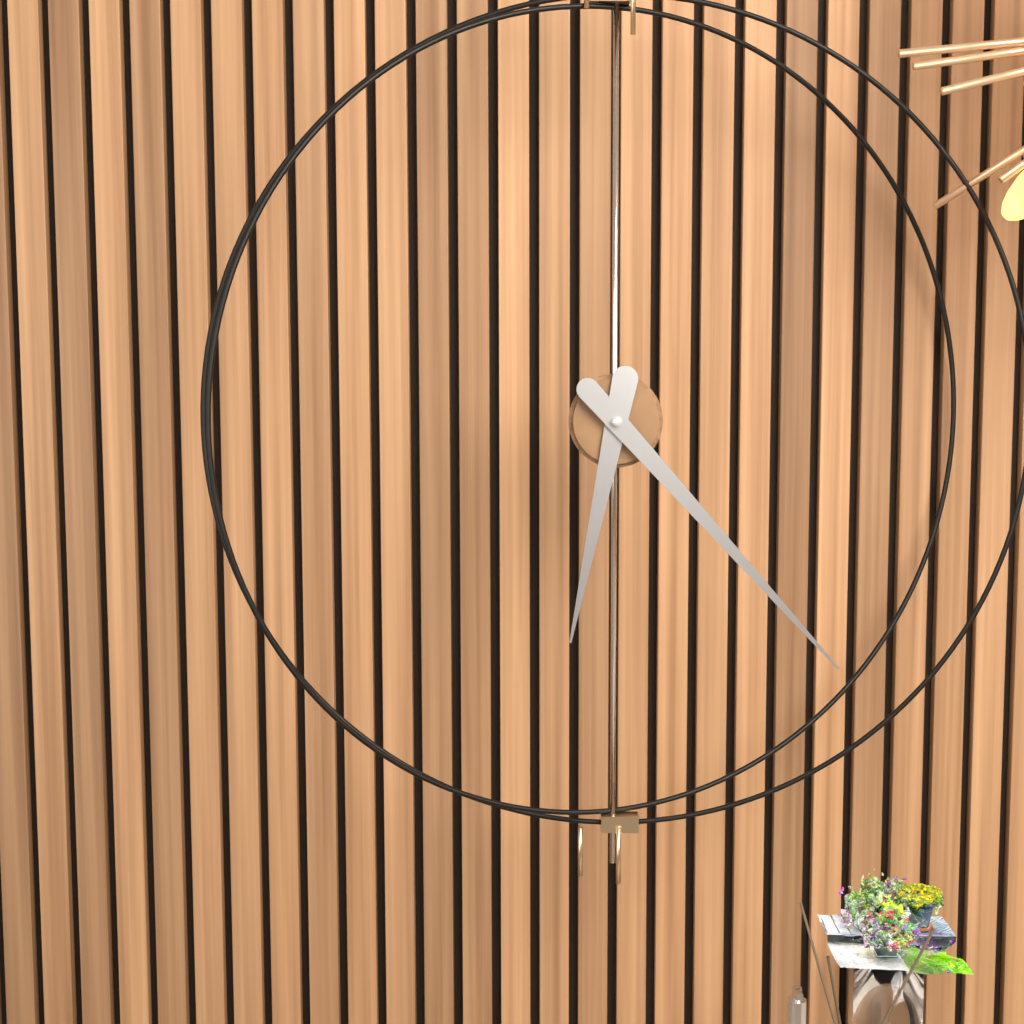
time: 6:23
